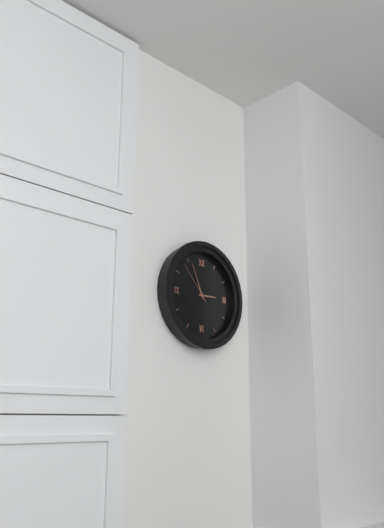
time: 2:56
